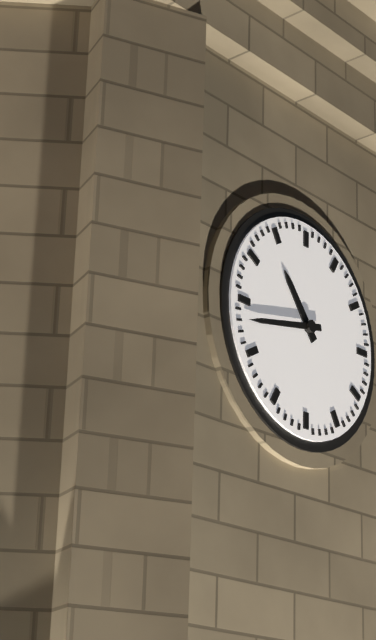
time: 10:43
